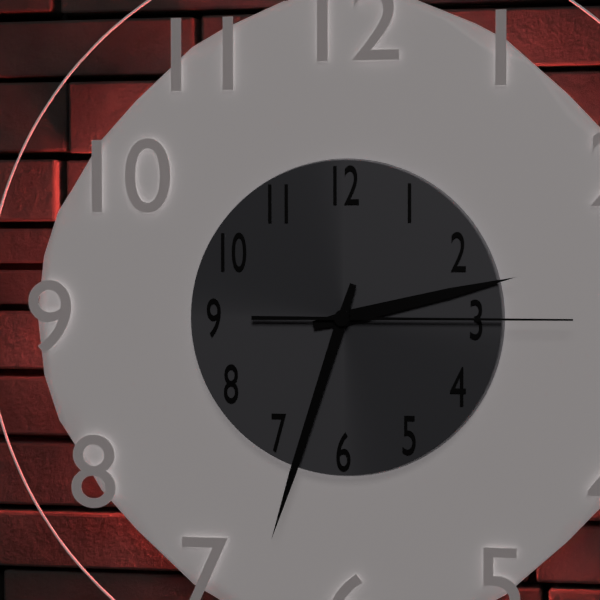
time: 2:33:15
